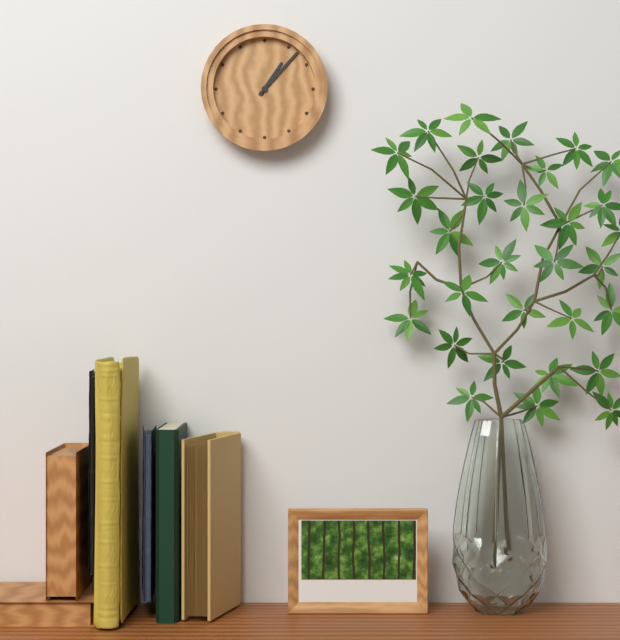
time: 1:07
